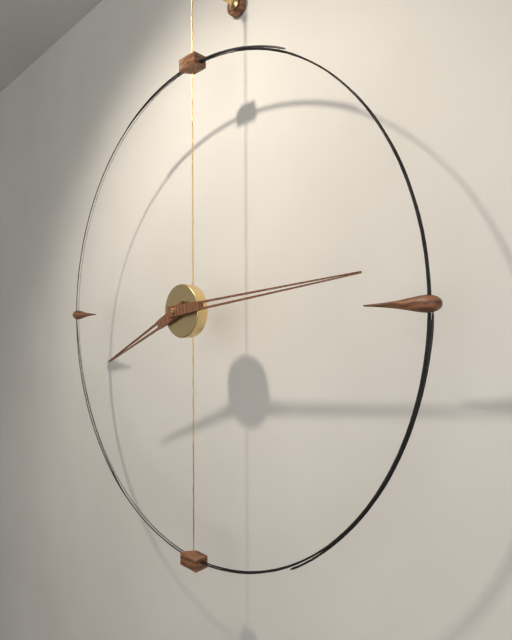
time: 8:14
